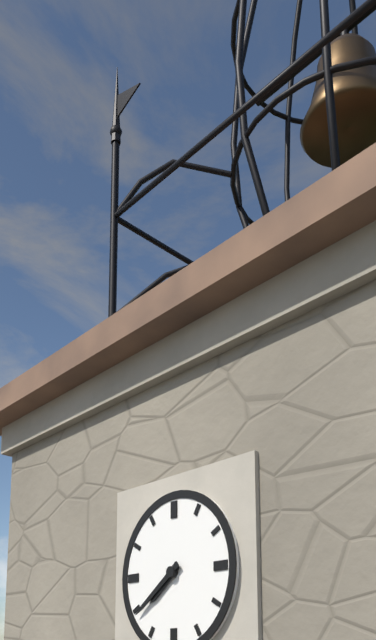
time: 7:39
